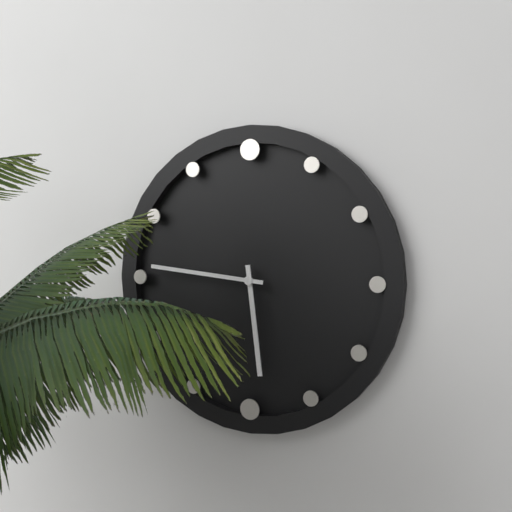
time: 5:46
